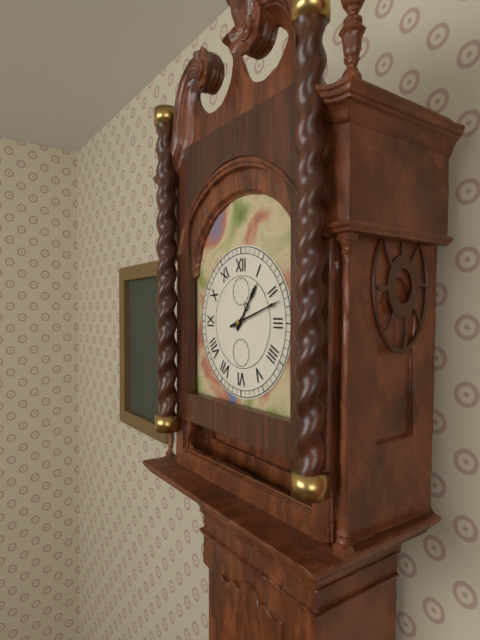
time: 1:12
